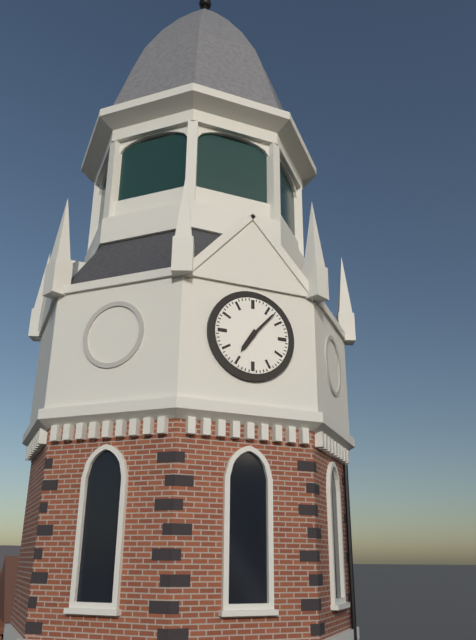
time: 7:07
